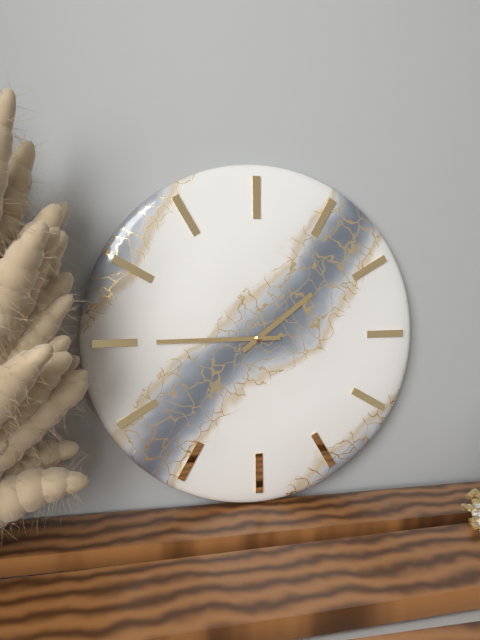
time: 1:45
